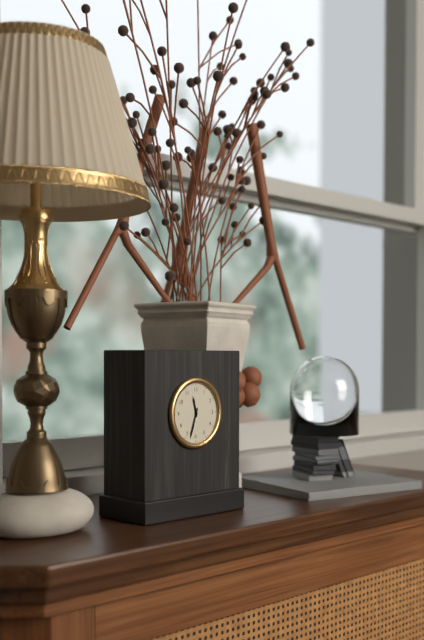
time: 11:33
